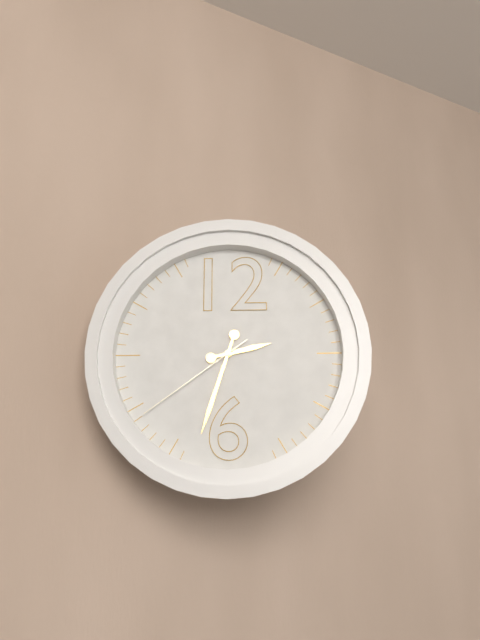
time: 2:33:39
